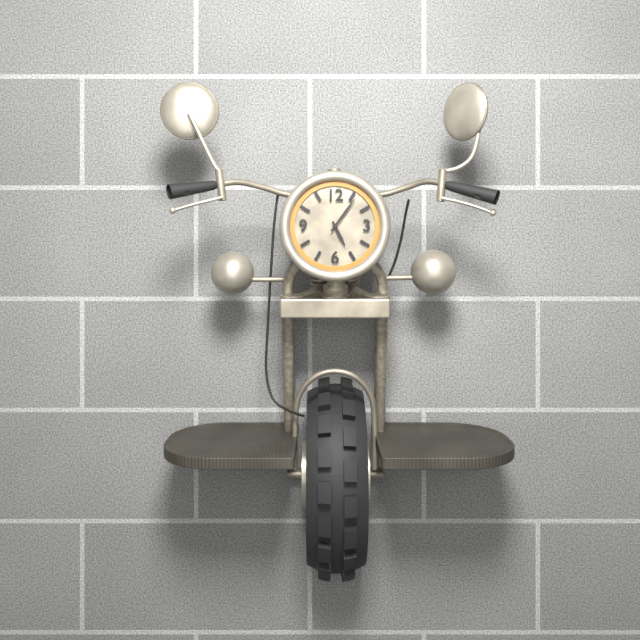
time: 5:06
